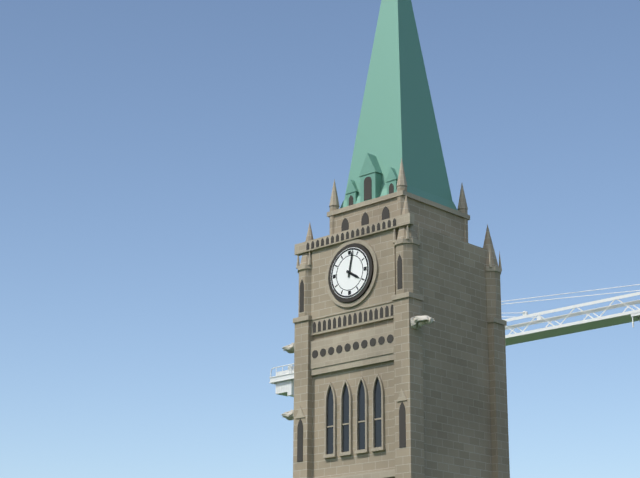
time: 4:02
